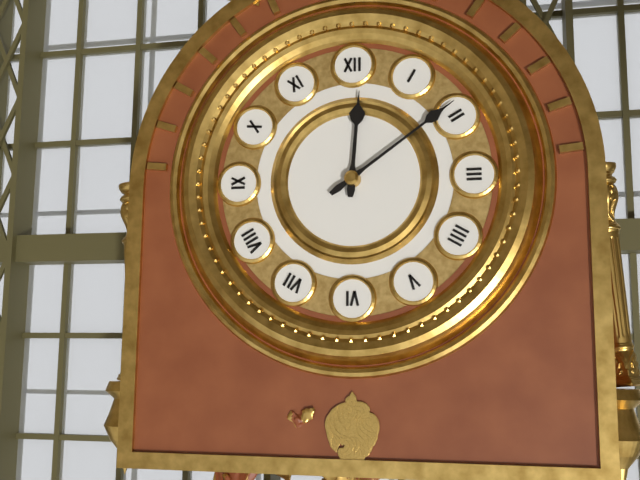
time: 12:09
